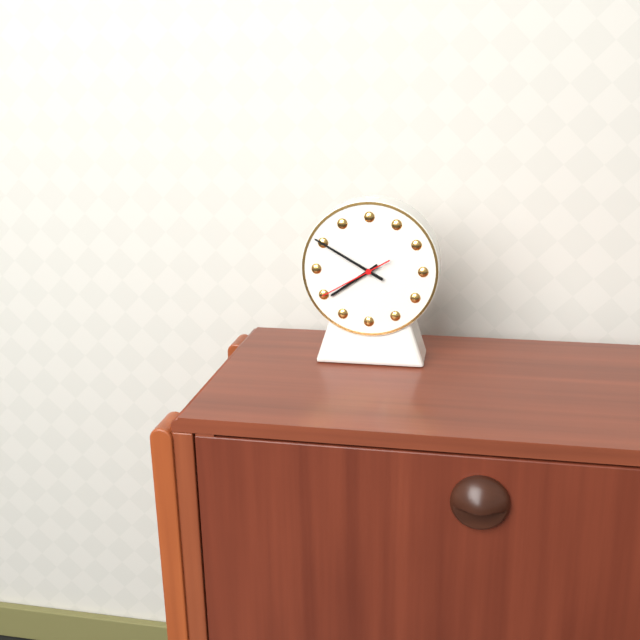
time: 7:50:40
